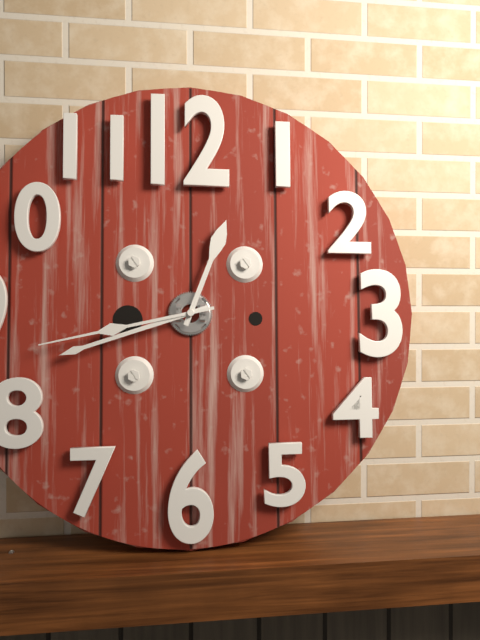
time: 12:42:43
